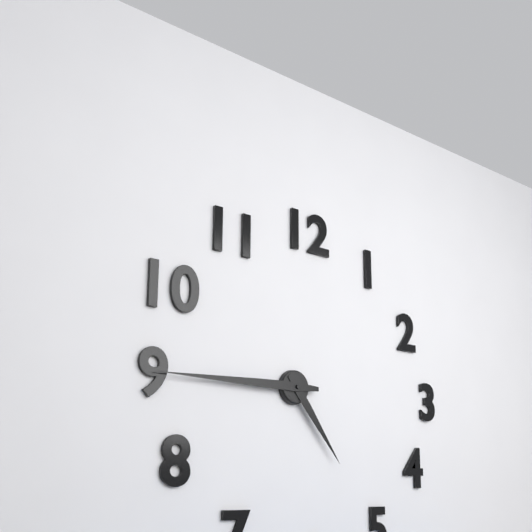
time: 4:45
